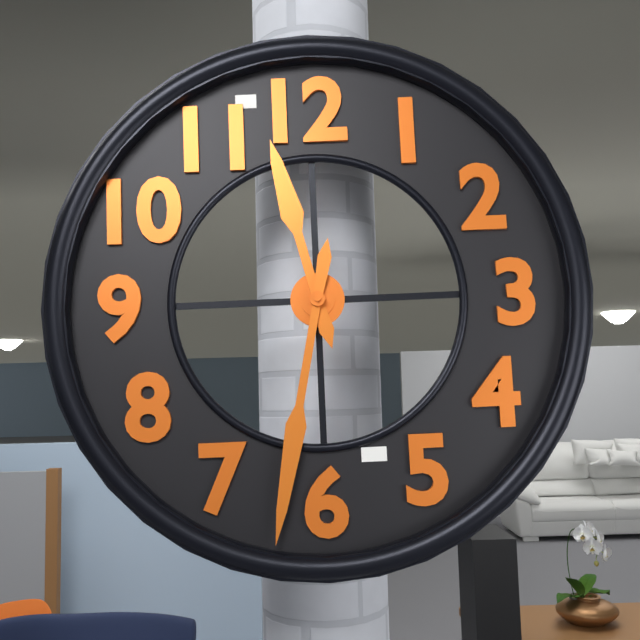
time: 11:32
